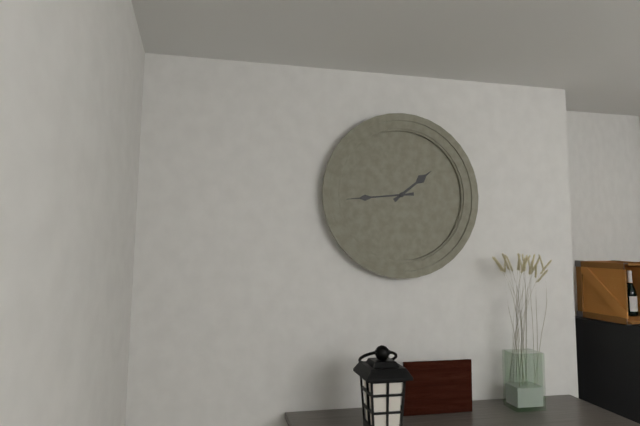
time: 1:44
